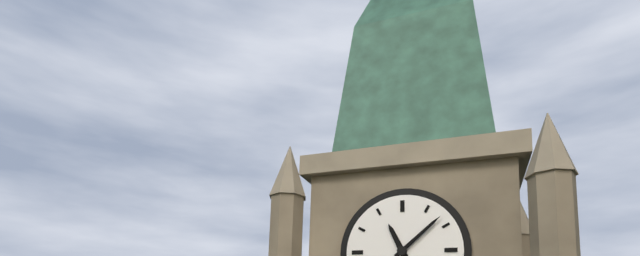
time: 11:08
